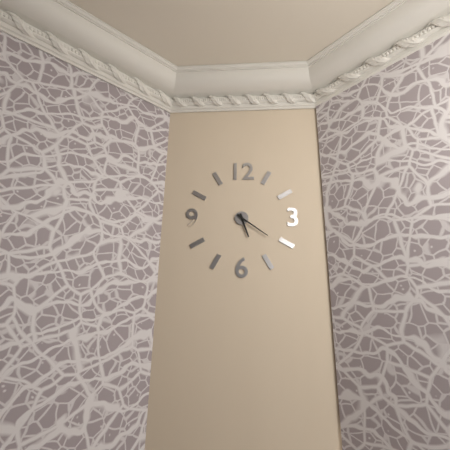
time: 5:21
